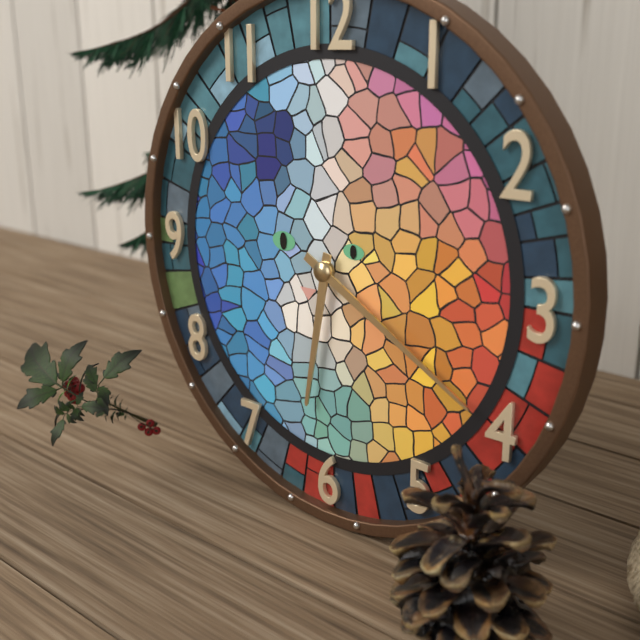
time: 6:20
